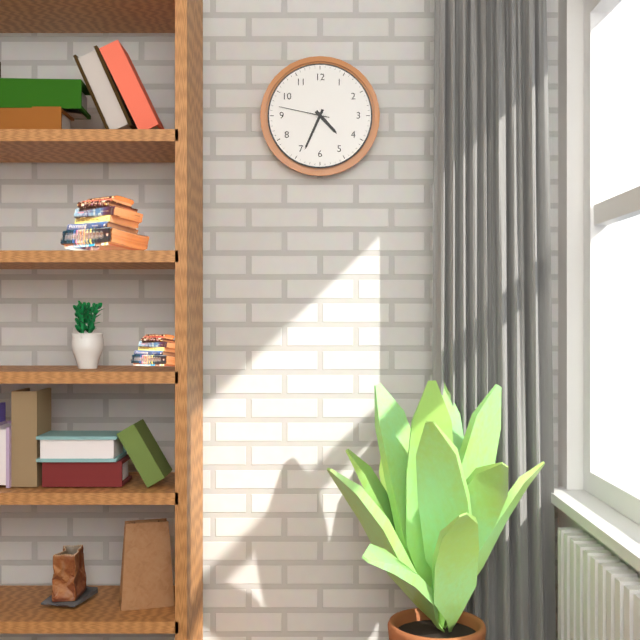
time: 4:34:47
